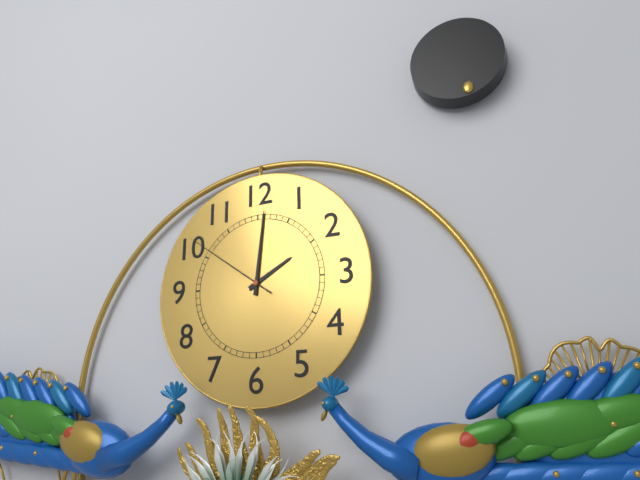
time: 2:01:51
